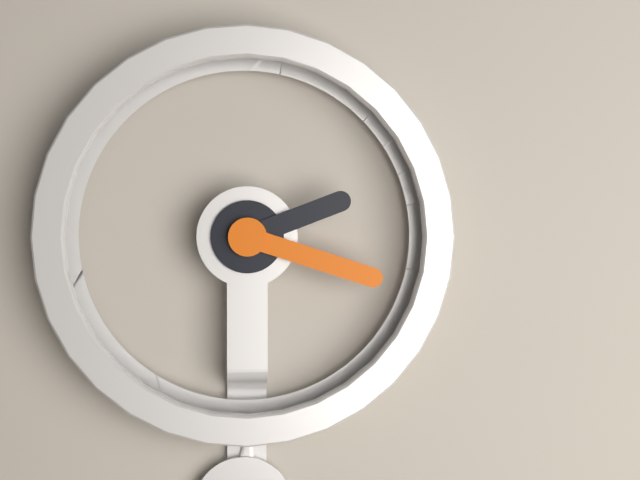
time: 2:18
